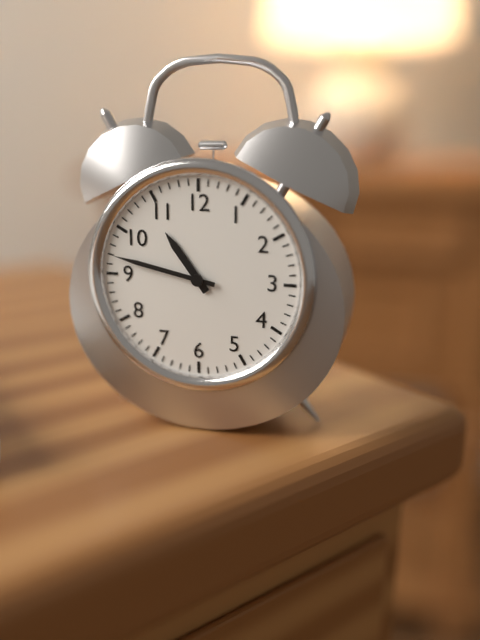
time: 10:47
